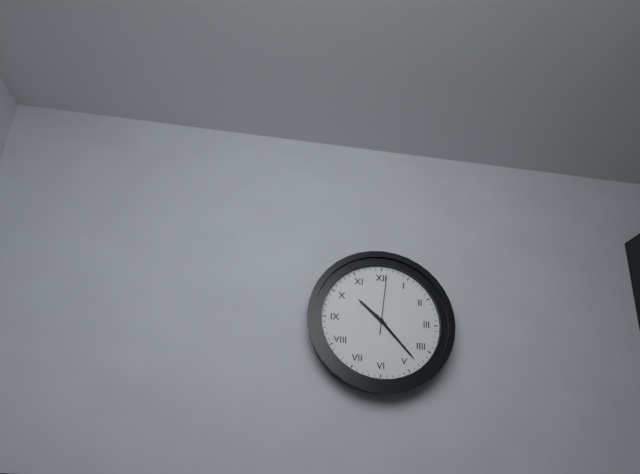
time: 10:23:01
